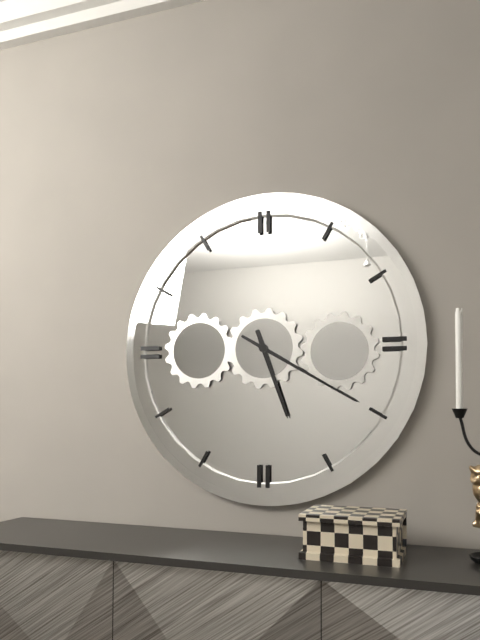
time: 5:20
